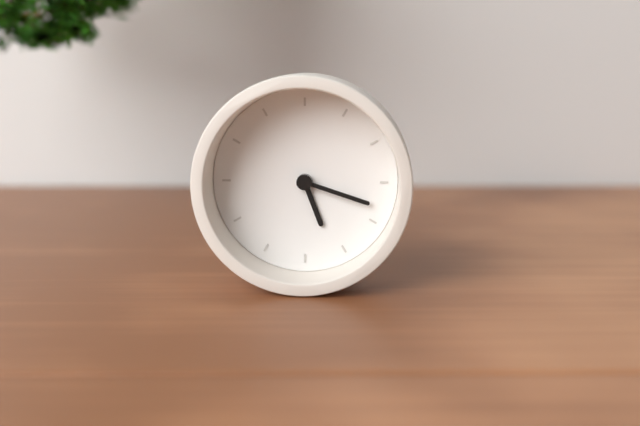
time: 5:18
